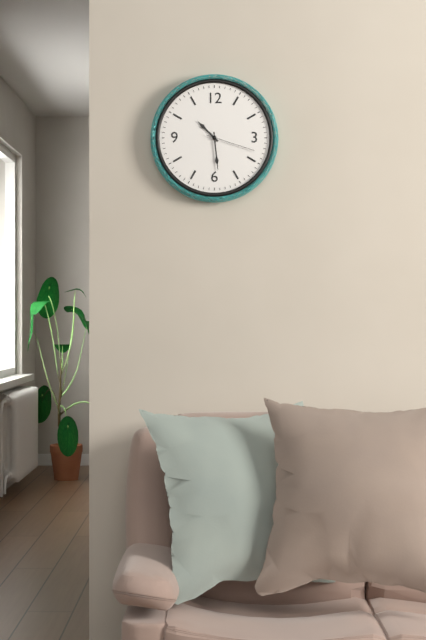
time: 10:29:18
